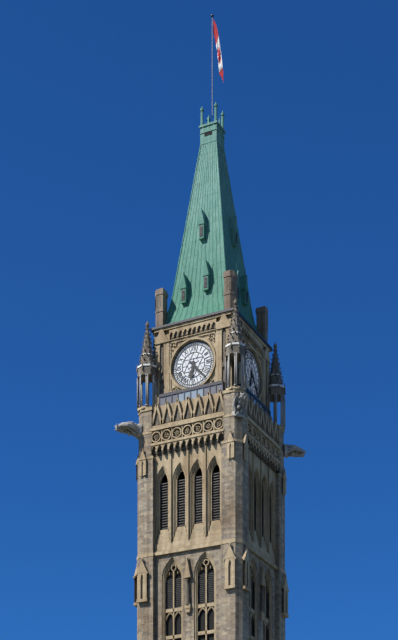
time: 6:23
